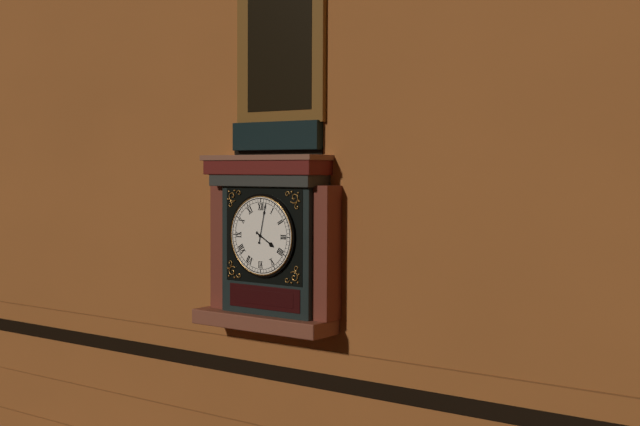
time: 4:02
